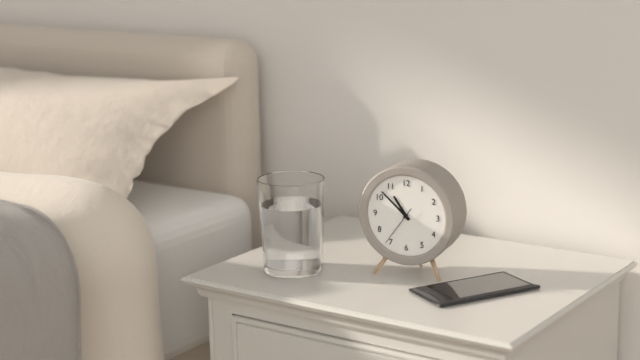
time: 10:52:36
